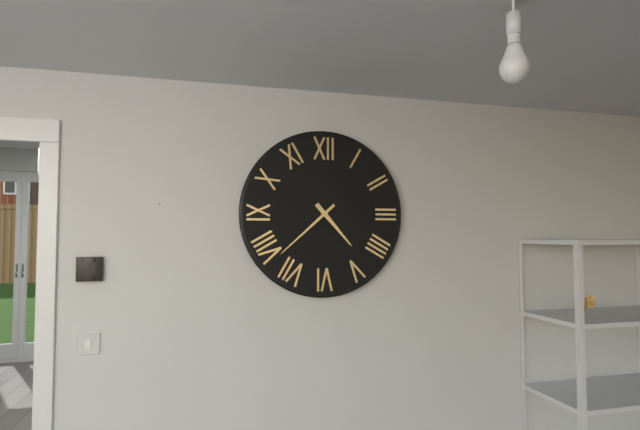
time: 4:38
